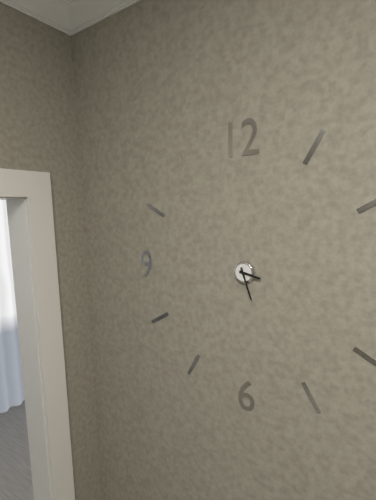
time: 3:27
